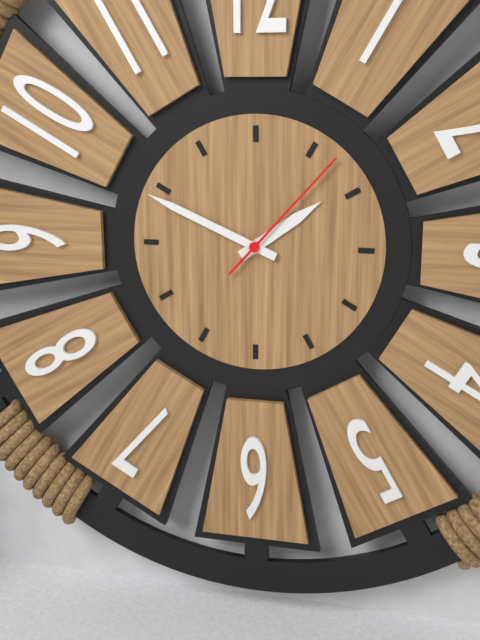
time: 1:49:07
